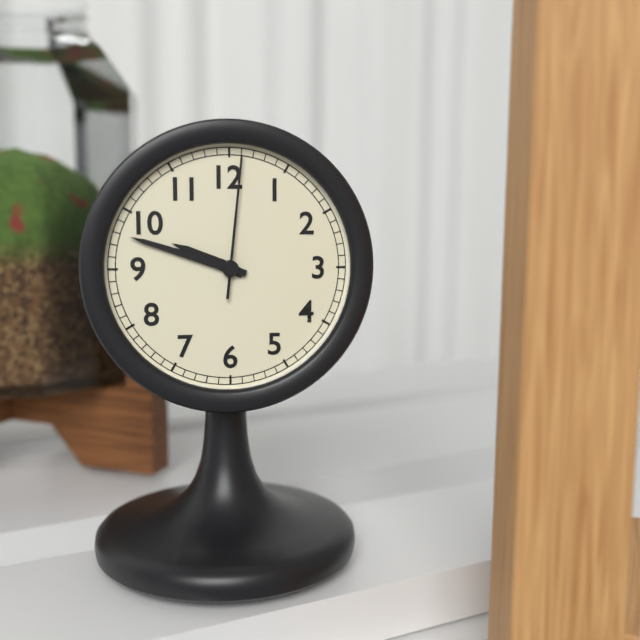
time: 9:48:01
